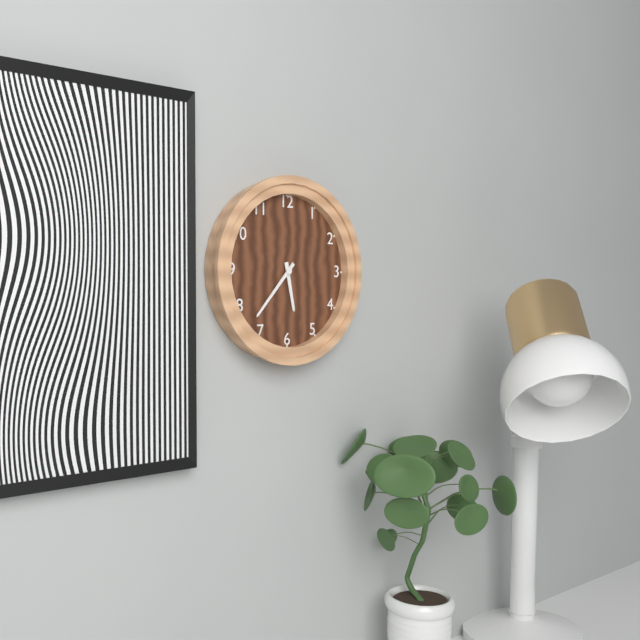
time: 5:37
